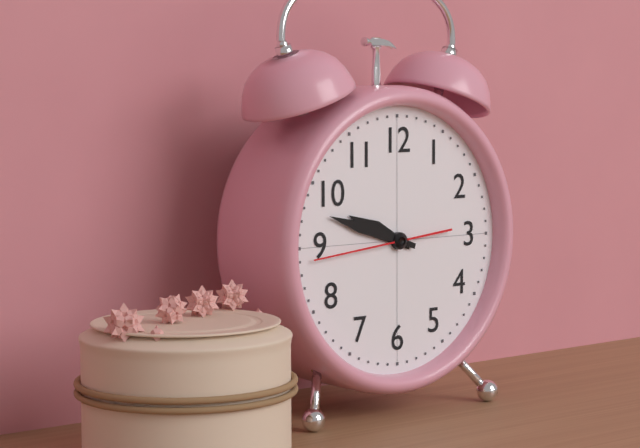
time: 9:48:44
